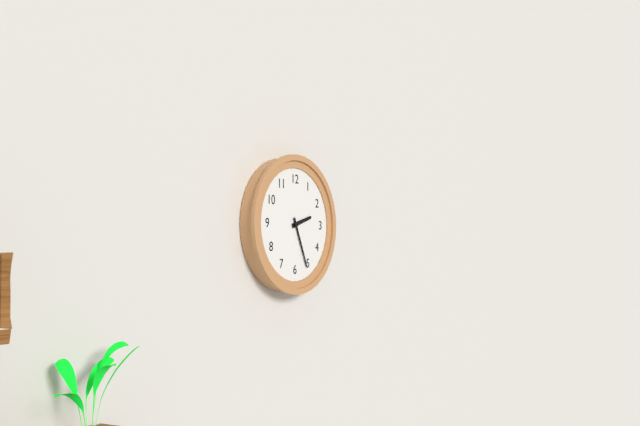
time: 2:26
